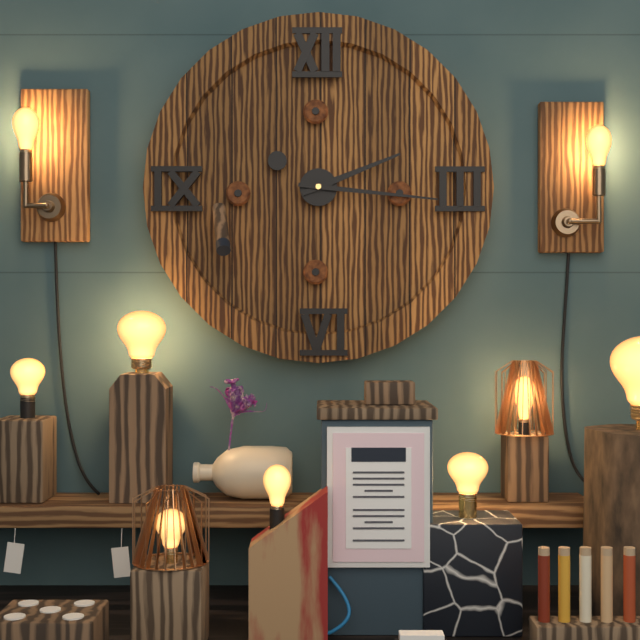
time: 2:16
